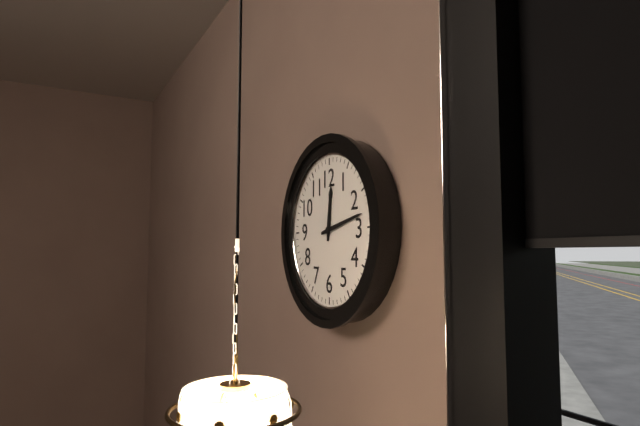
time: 12:13
